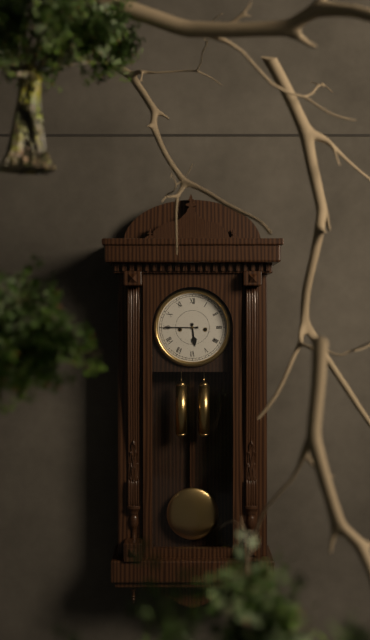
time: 5:45
